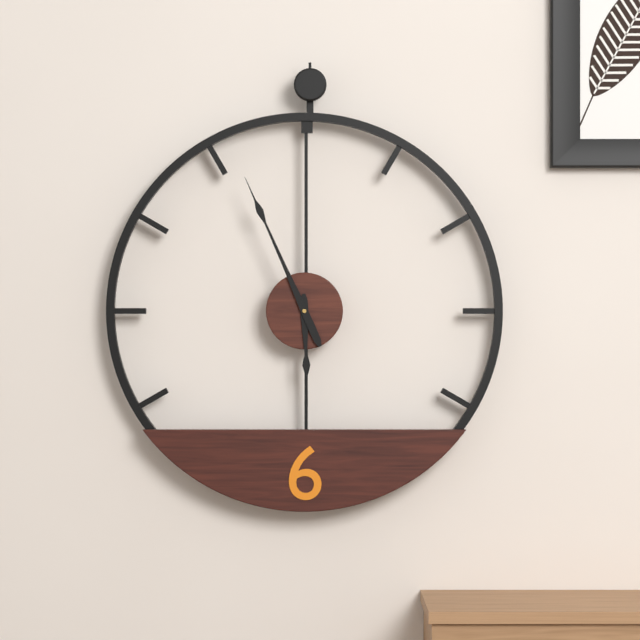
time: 5:56
